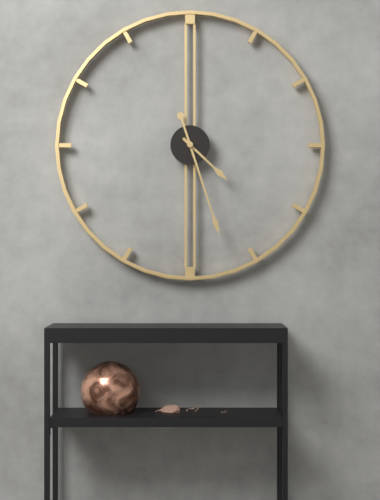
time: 4:27
